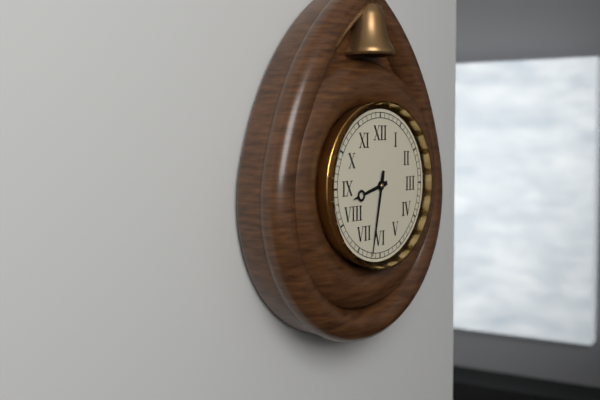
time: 8:32
